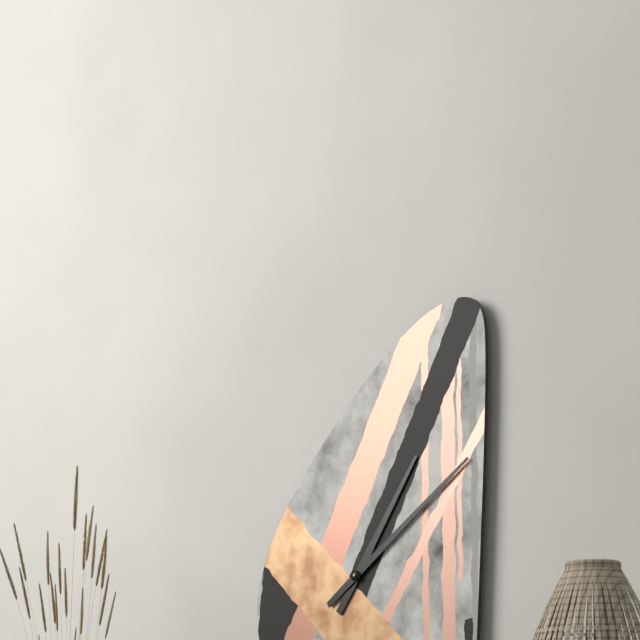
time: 1:09
